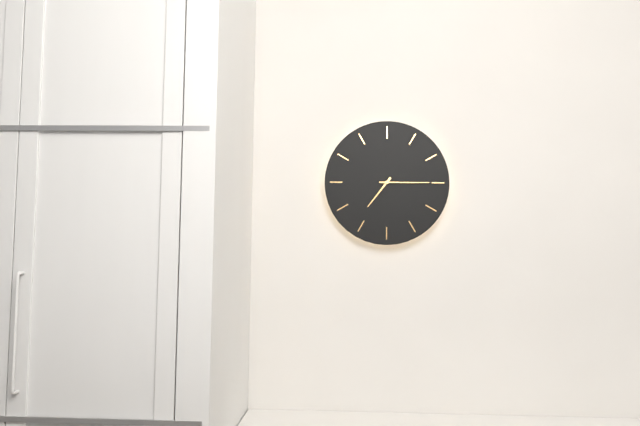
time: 7:15
